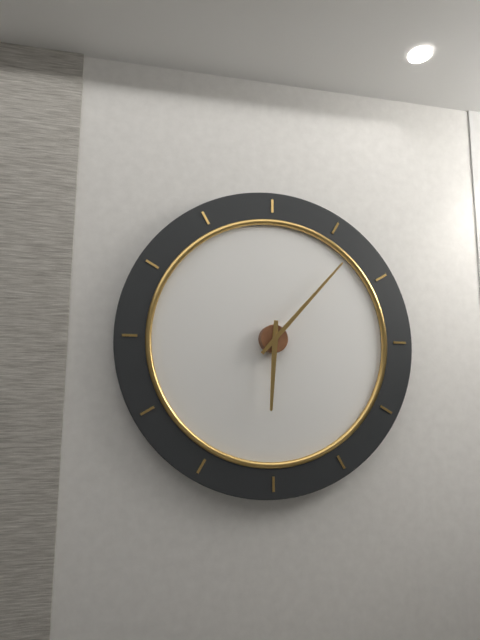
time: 6:07
